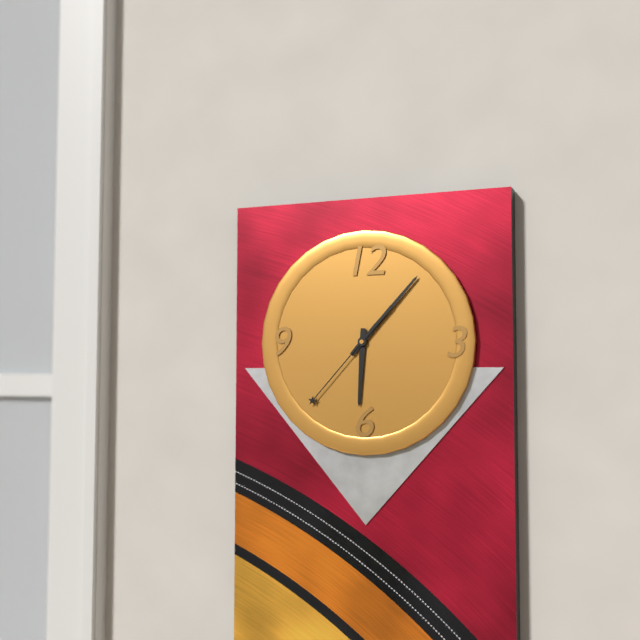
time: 6:07:37
